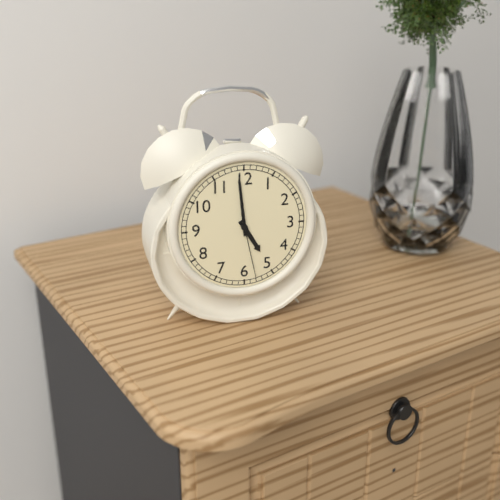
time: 4:59:28
